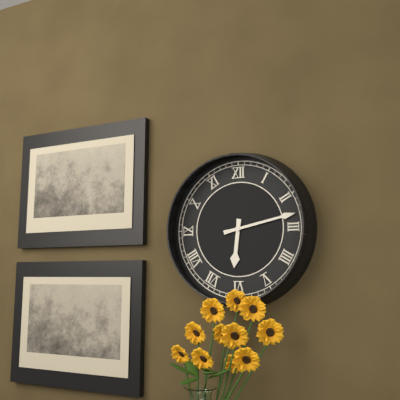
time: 6:13
